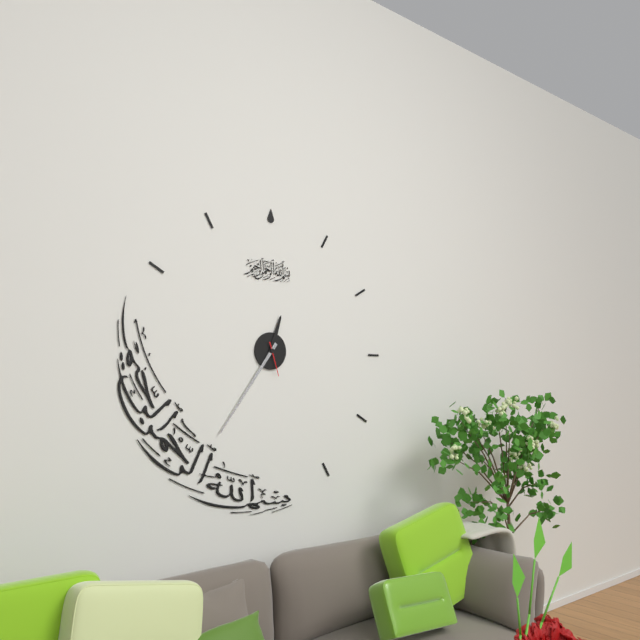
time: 12:36
